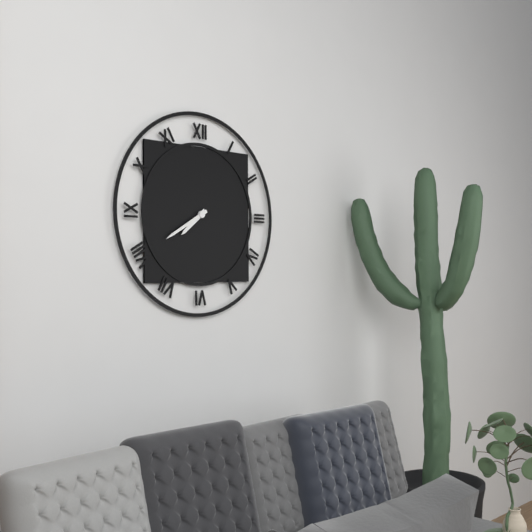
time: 7:40
